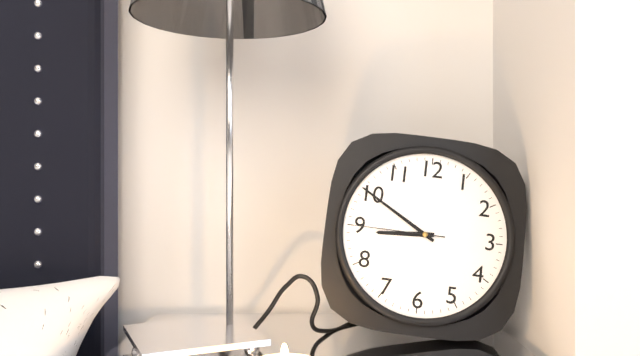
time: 8:50:45
